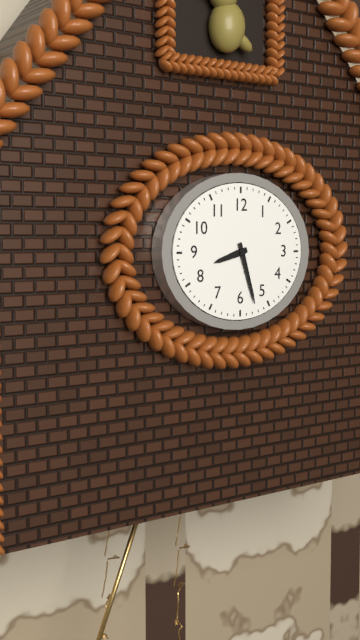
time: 8:27
